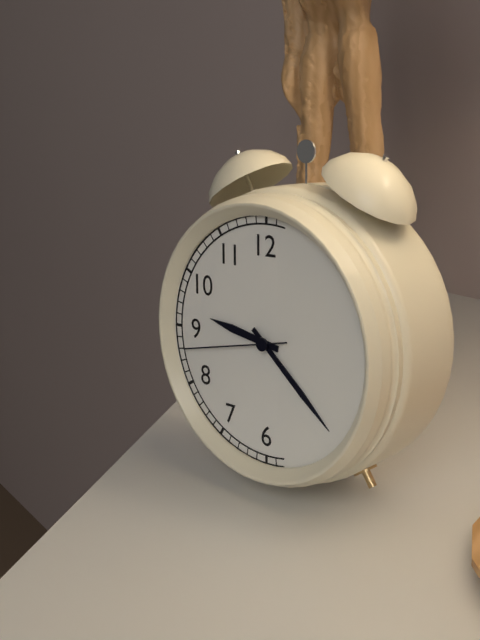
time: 9:22:43
